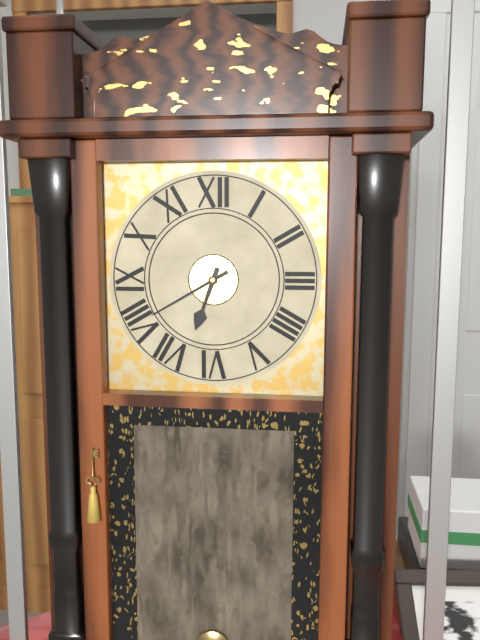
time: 6:40
